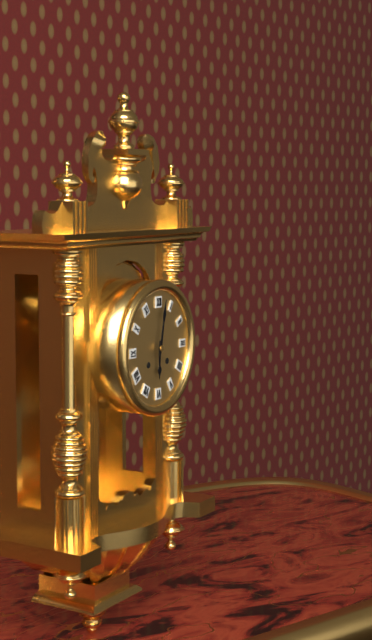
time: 6:02
